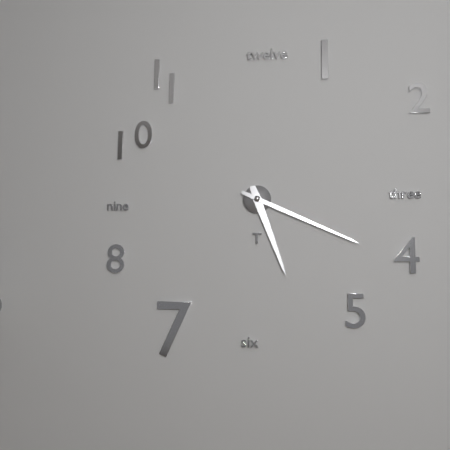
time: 5:19
